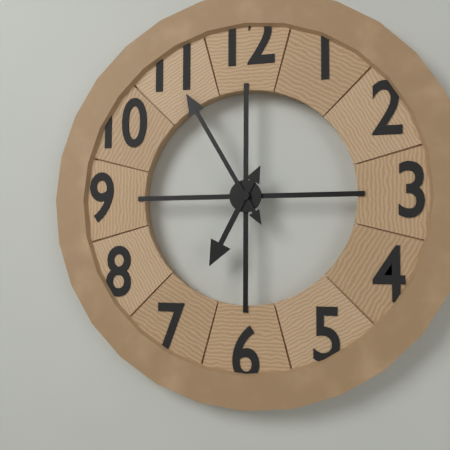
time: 6:55
